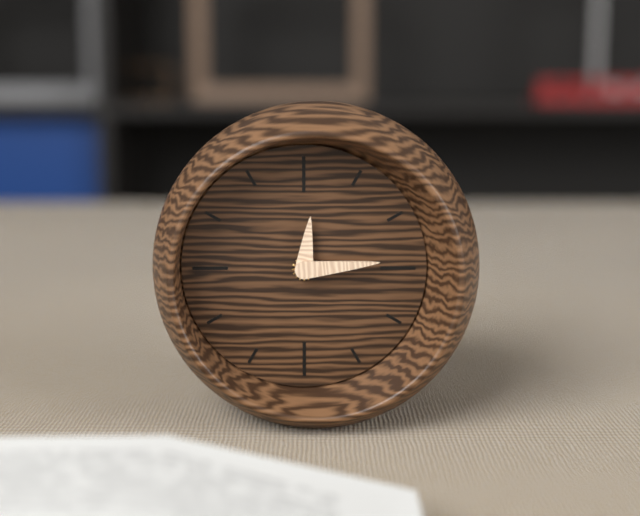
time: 12:14
